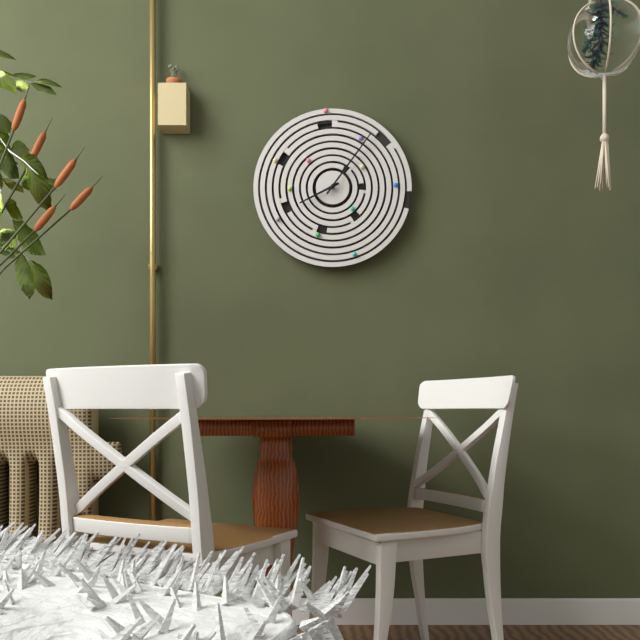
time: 8:06
